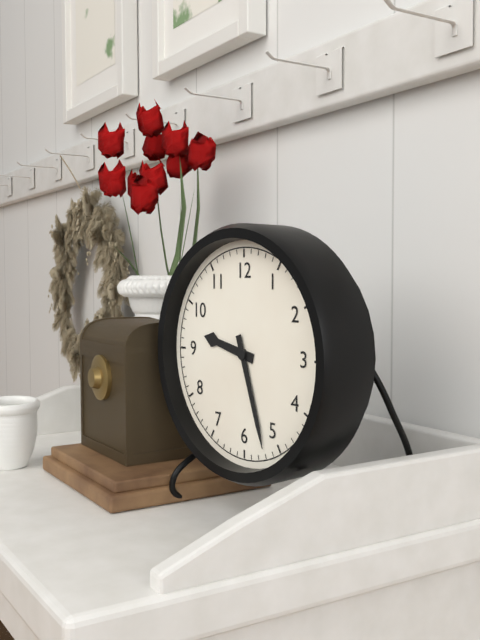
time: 9:27
